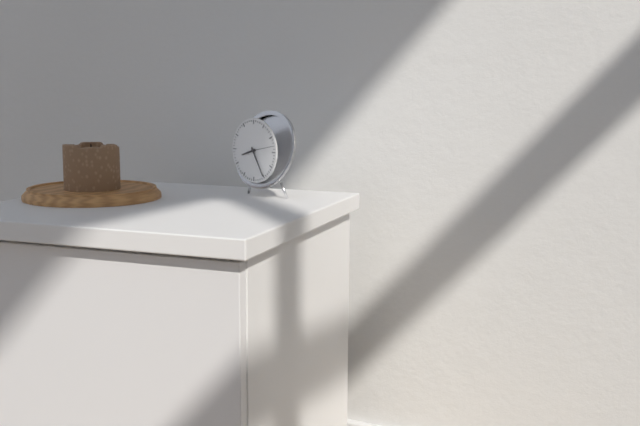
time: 8:25
